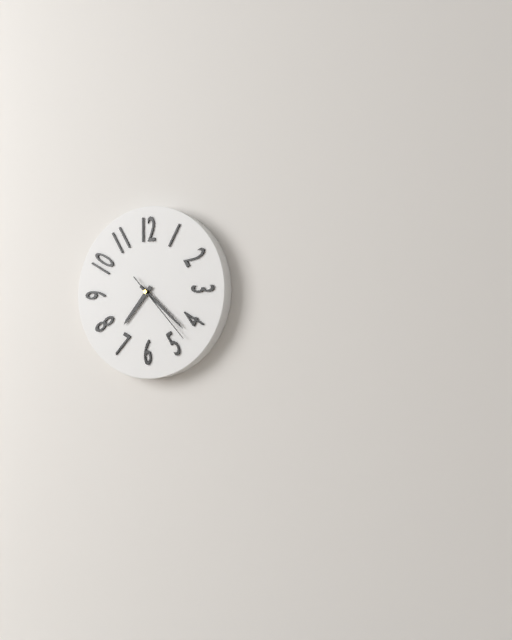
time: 7:22:23
